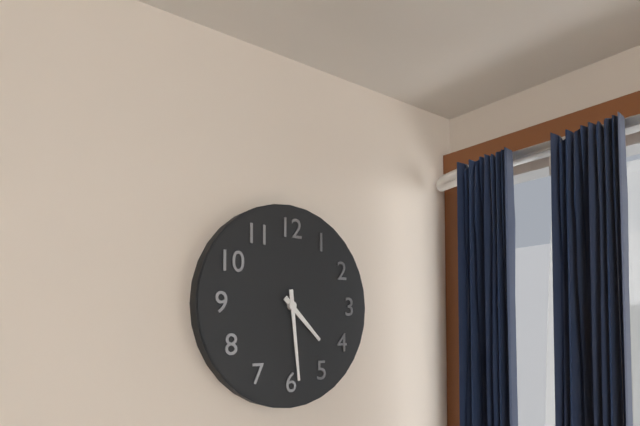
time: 4:29
